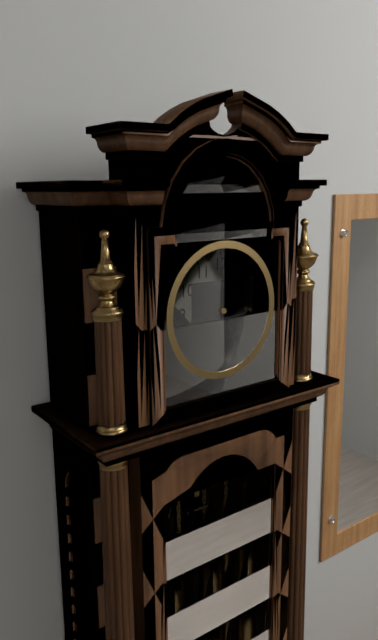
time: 5:01
